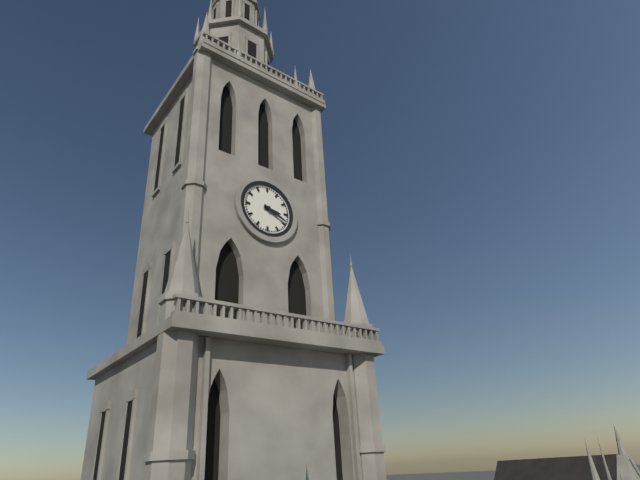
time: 3:19
